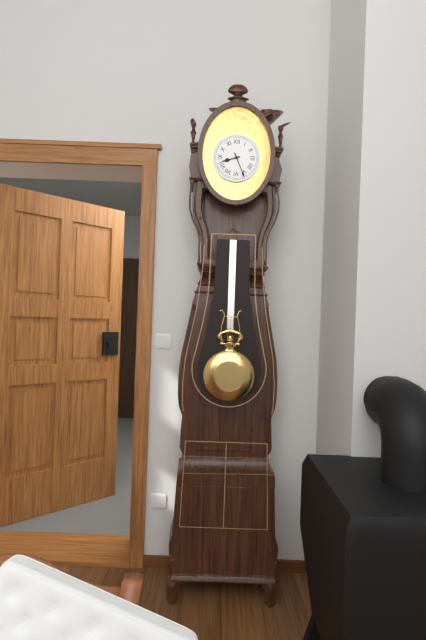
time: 8:26
